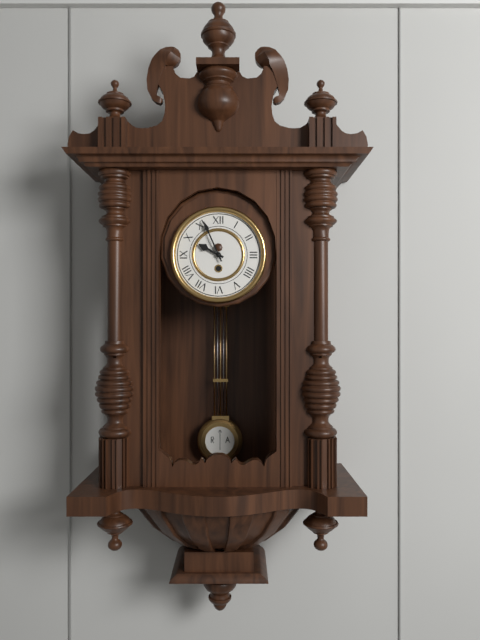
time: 9:56
